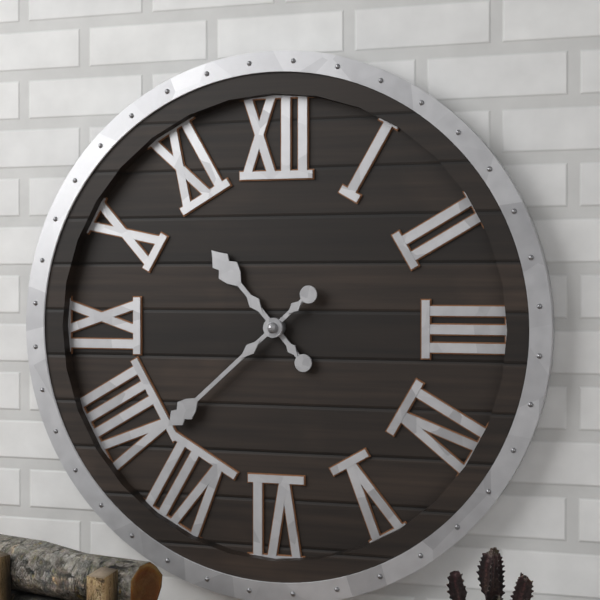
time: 10:38
